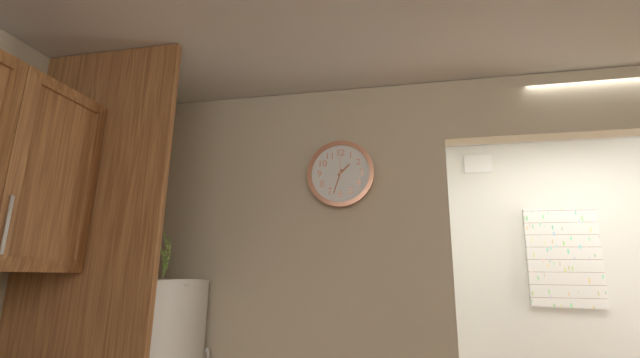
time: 1:33
